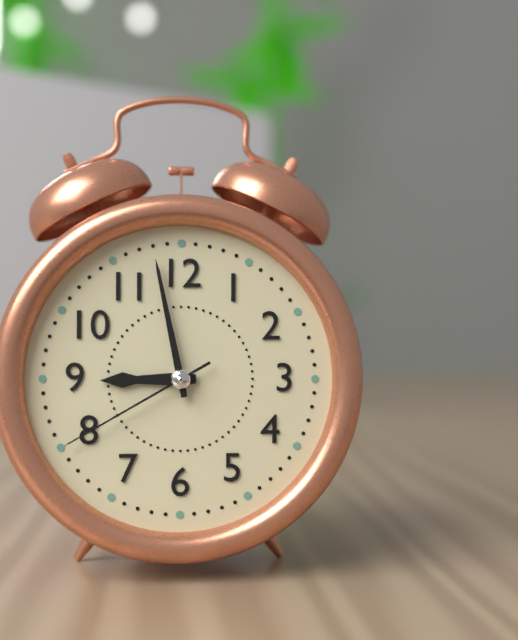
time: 8:58:40
